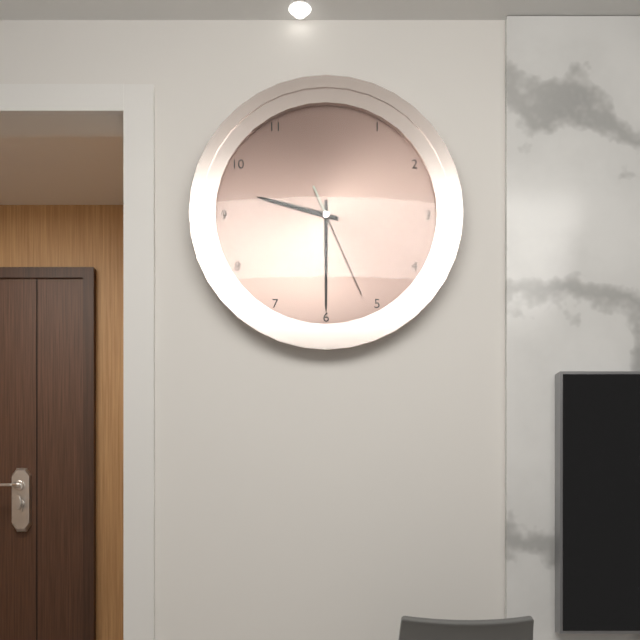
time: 9:30:26
